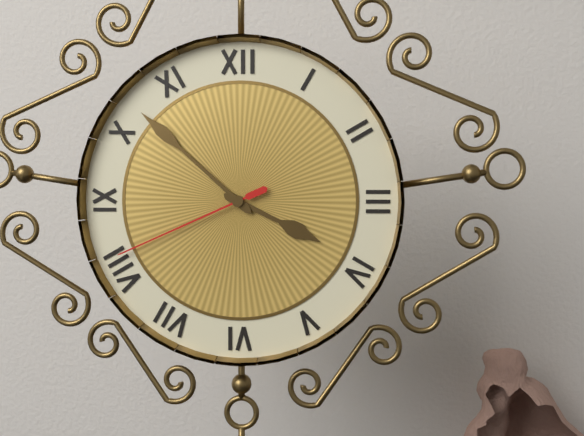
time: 3:52:41
